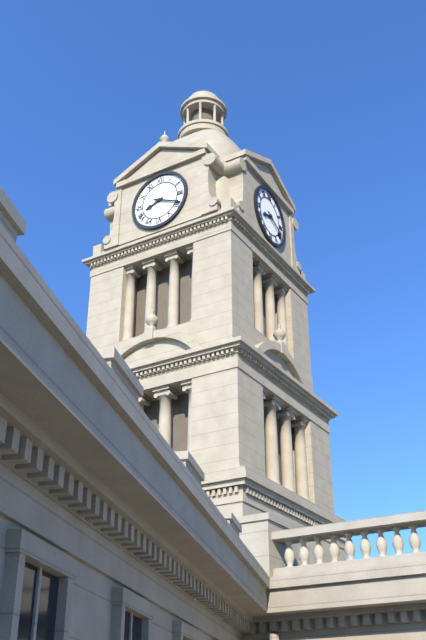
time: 8:19
